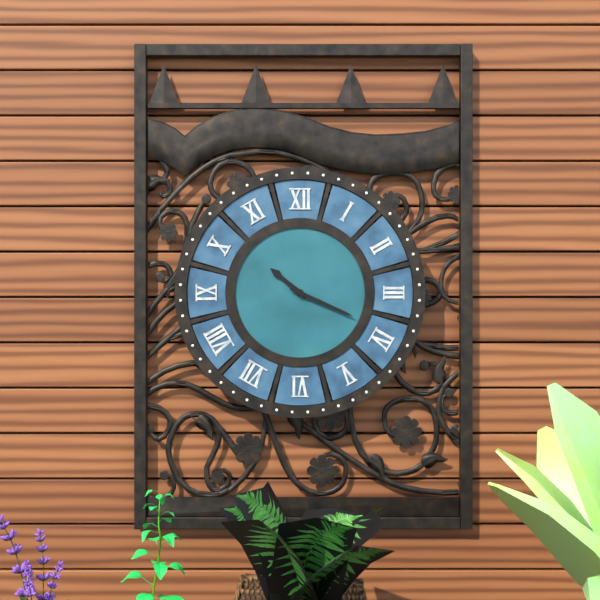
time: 10:19
